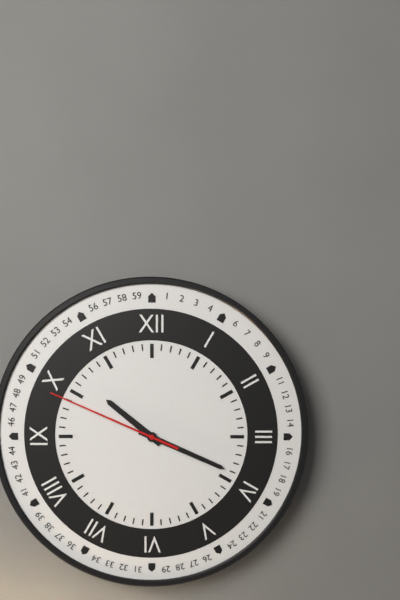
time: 10:19:49
